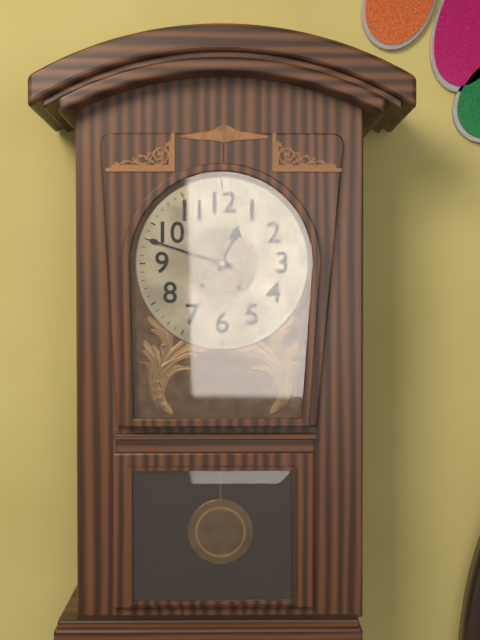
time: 12:48
